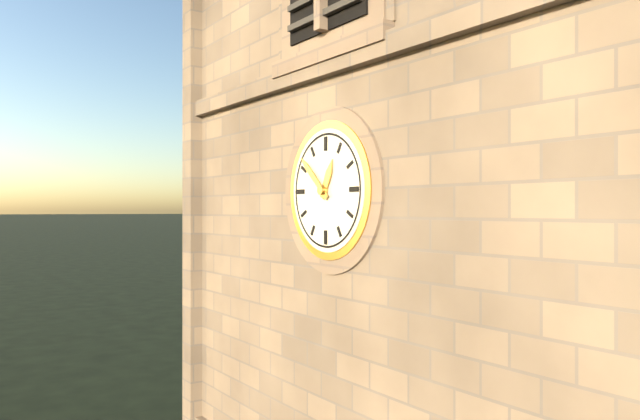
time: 12:52
